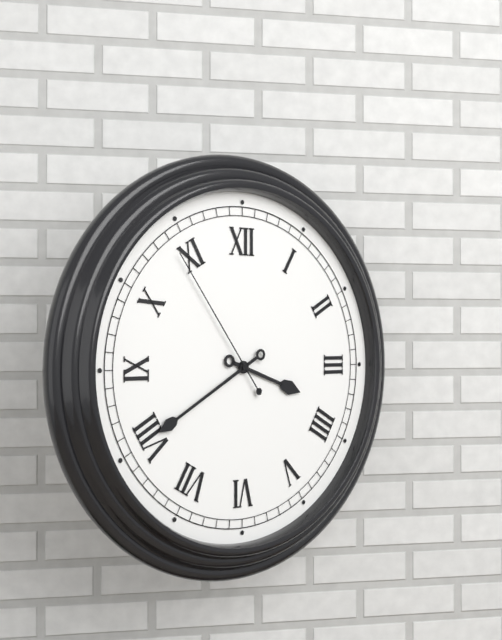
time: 3:40:54
